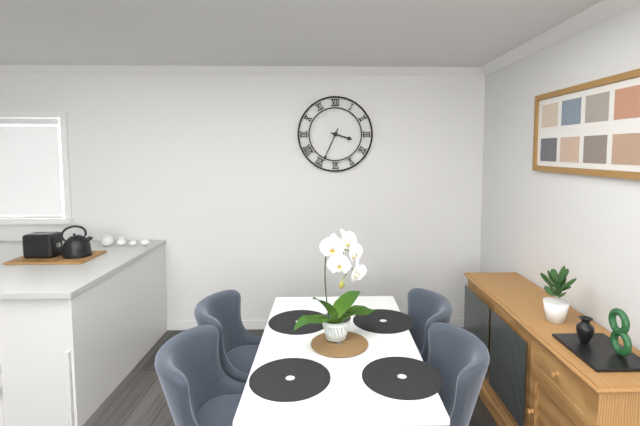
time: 3:34
